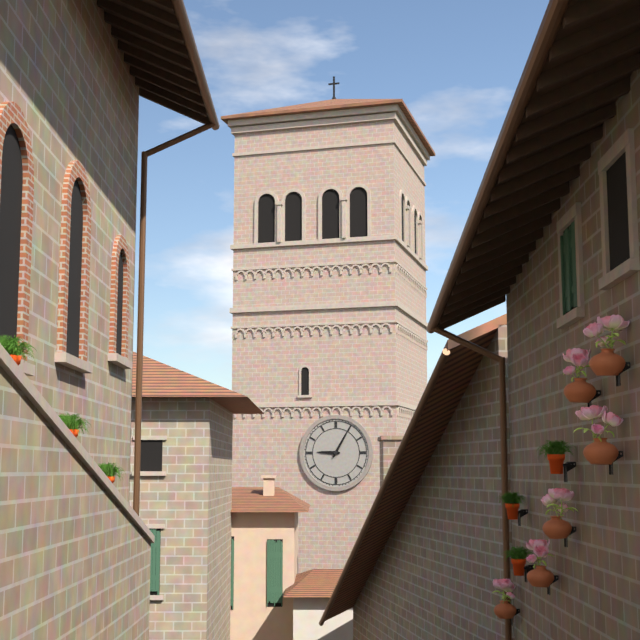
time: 9:05
